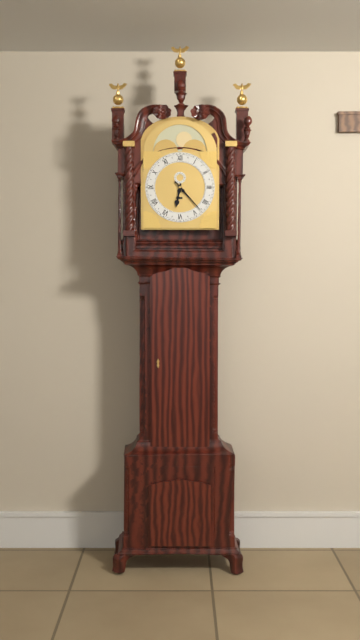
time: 6:23
